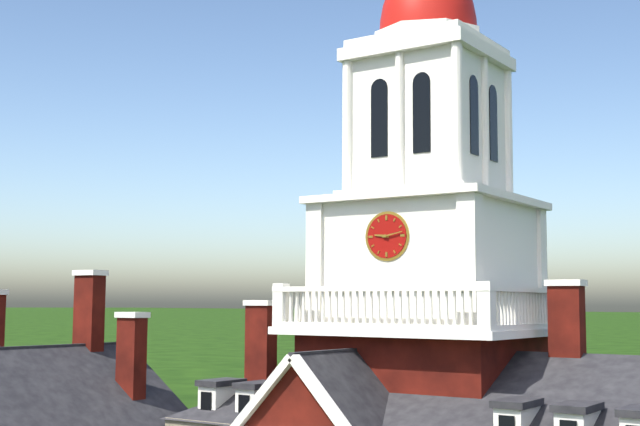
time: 9:13
